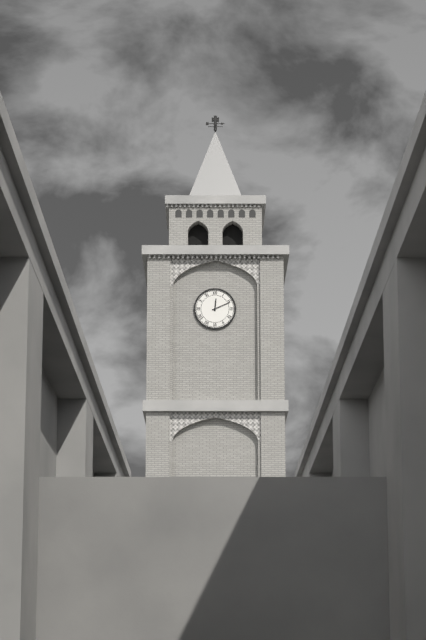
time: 12:11
